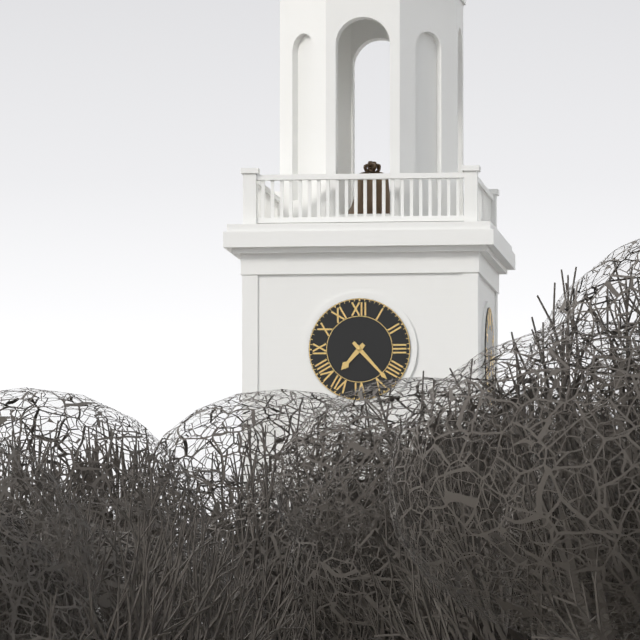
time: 7:23
